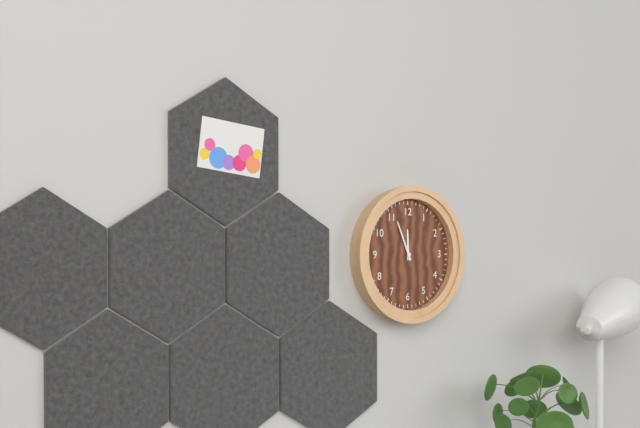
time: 11:56
